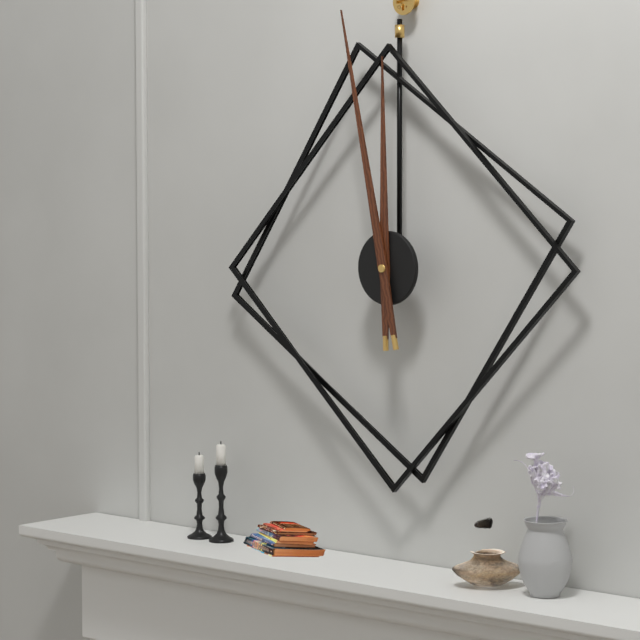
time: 11:58
